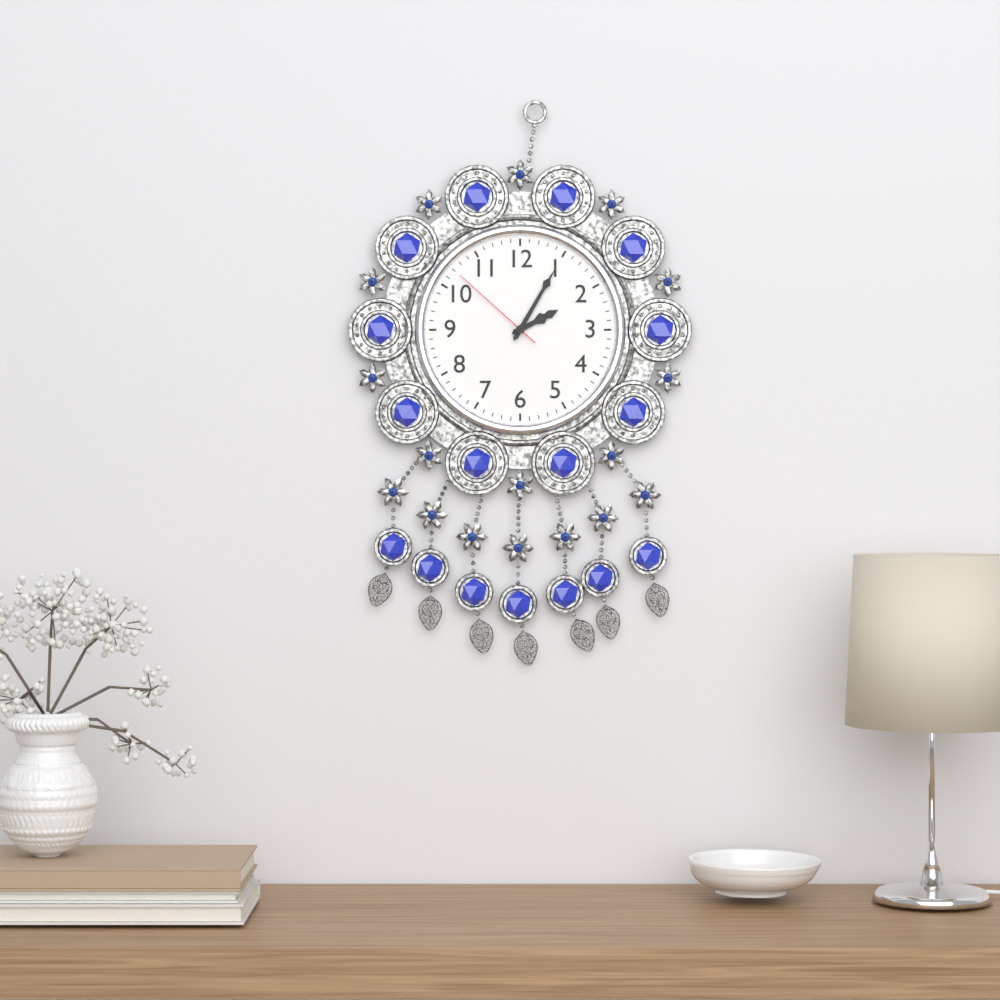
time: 2:05:52
